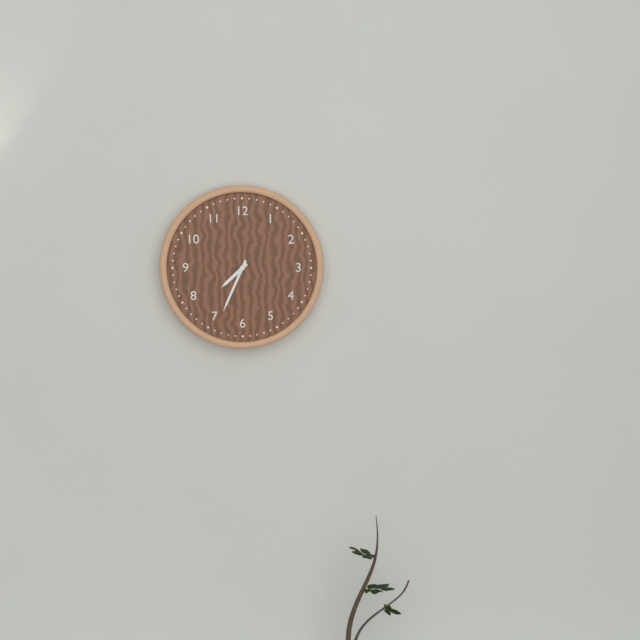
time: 7:34
